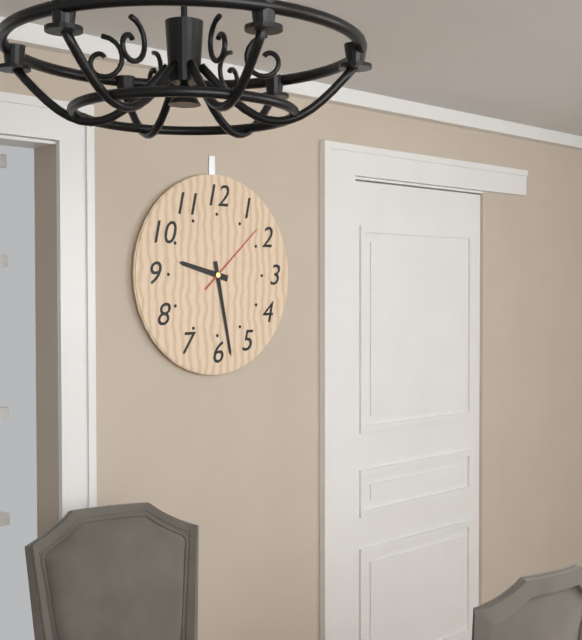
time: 9:28:08
